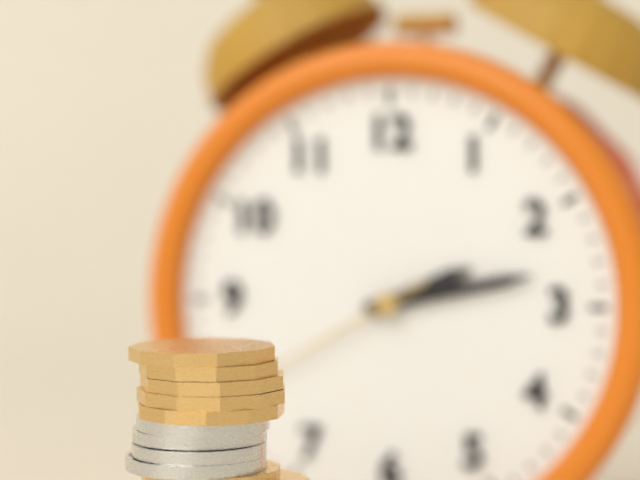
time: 2:13:40
